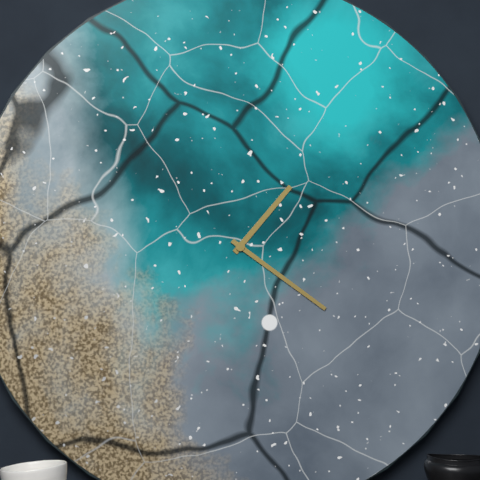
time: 1:21
